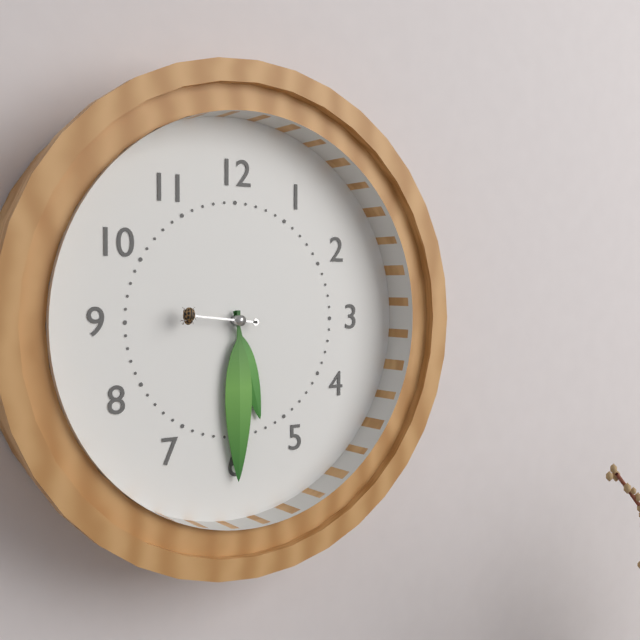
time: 5:30:46
